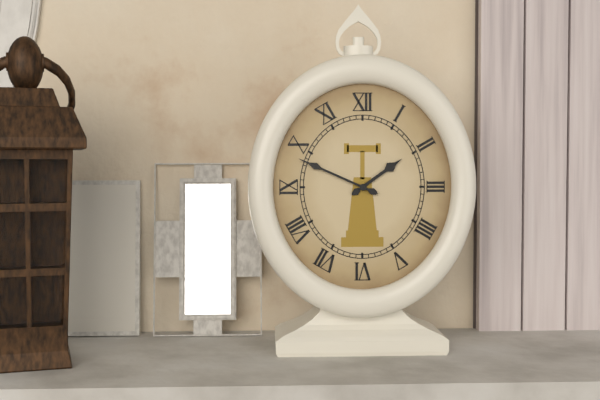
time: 1:49
